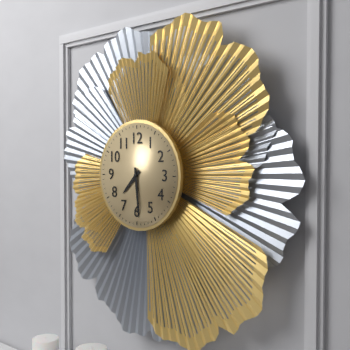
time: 7:29
